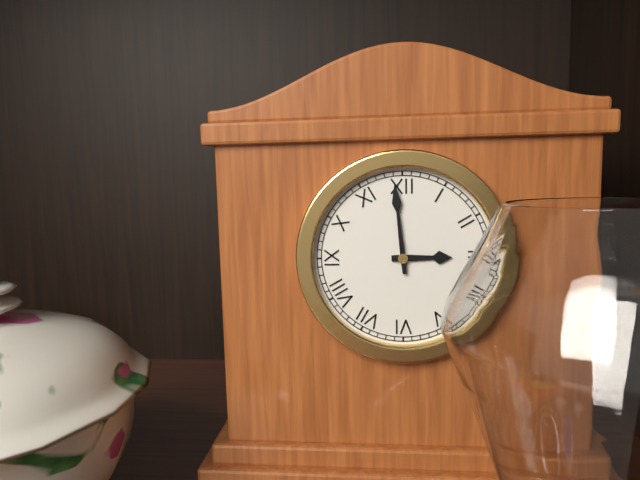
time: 2:59
